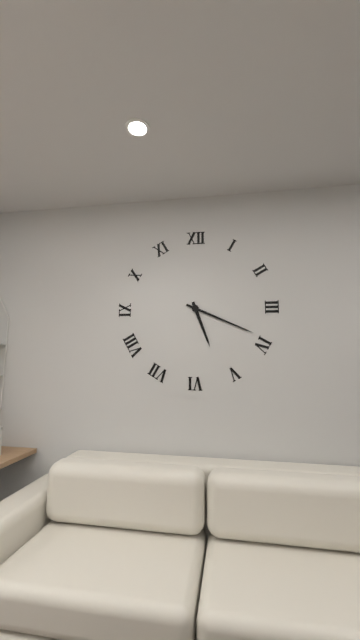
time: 5:19
